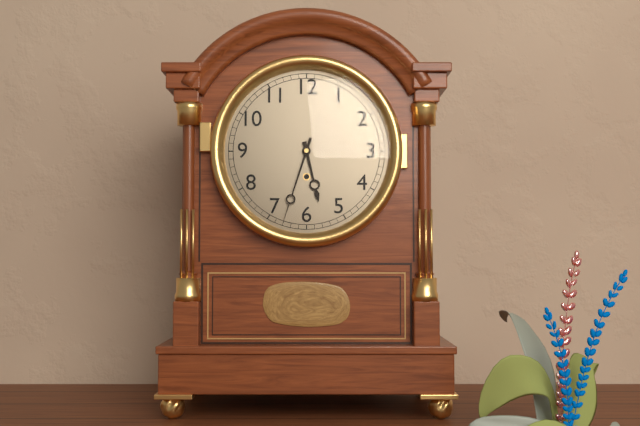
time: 5:33
